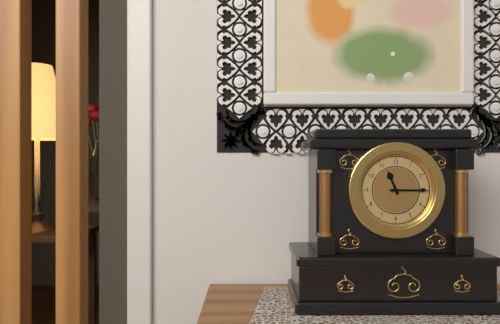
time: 11:15
